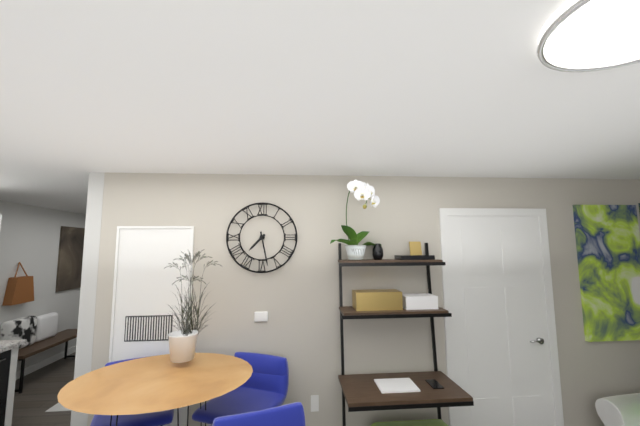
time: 7:28
